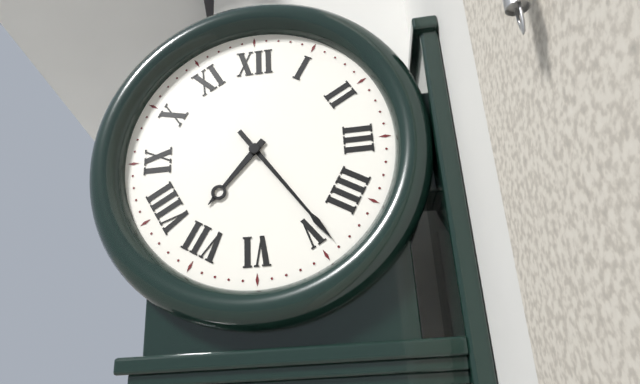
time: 7:24
